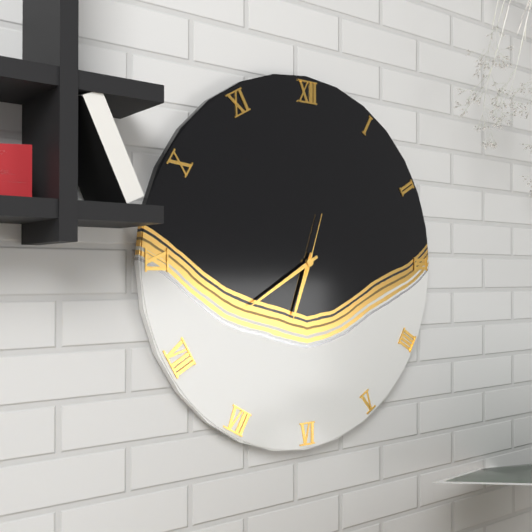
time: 6:40:03
